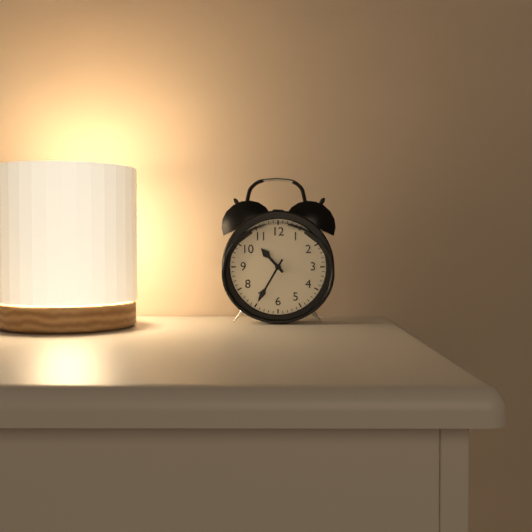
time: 10:35
